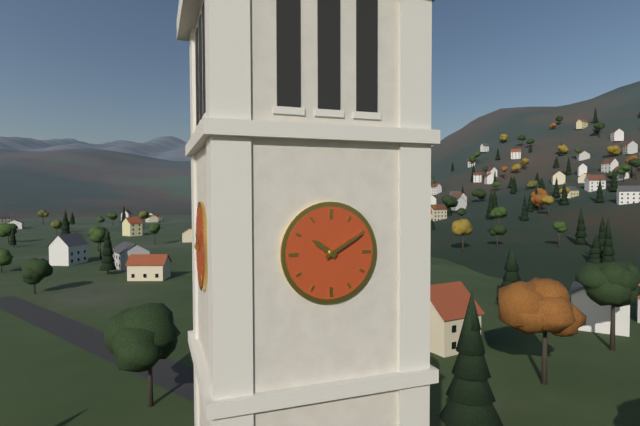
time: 10:10
